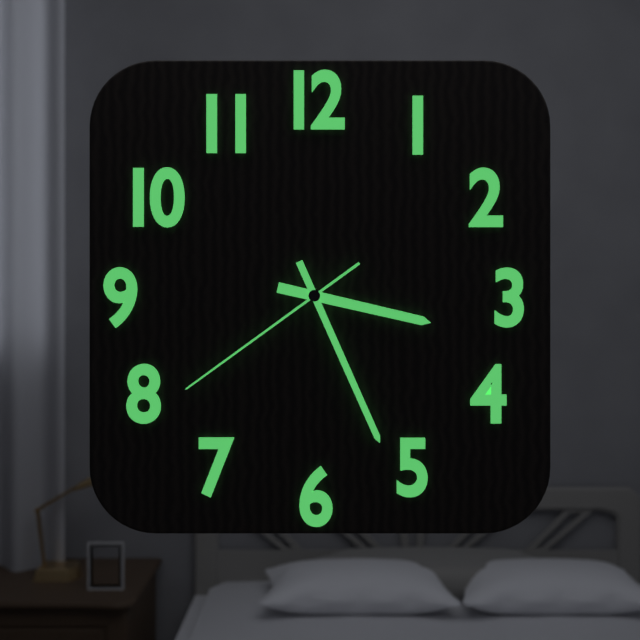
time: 3:26:39
